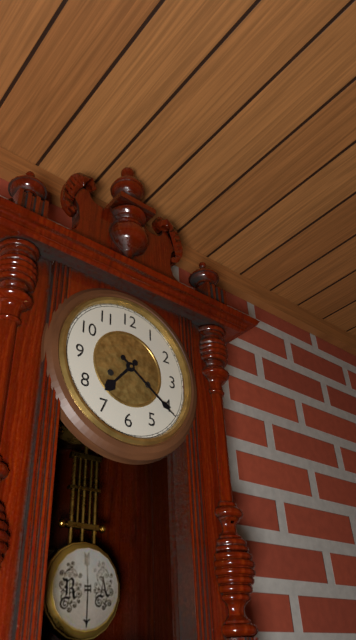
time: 7:21
